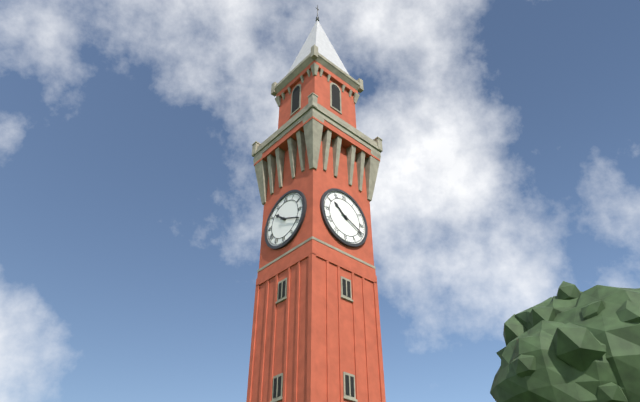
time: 10:19
